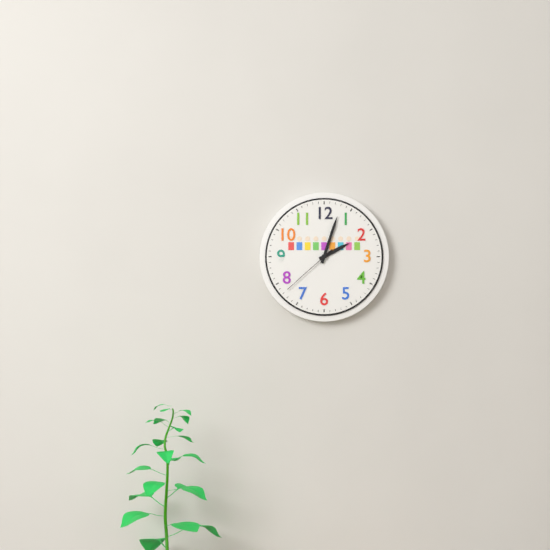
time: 2:03:38
